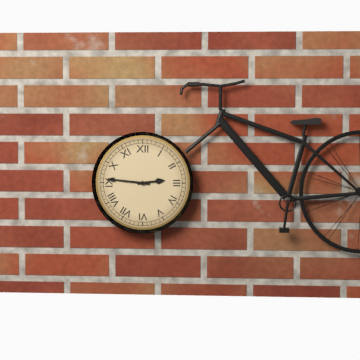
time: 2:46
